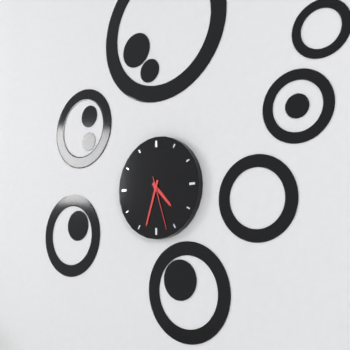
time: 4:33:27
